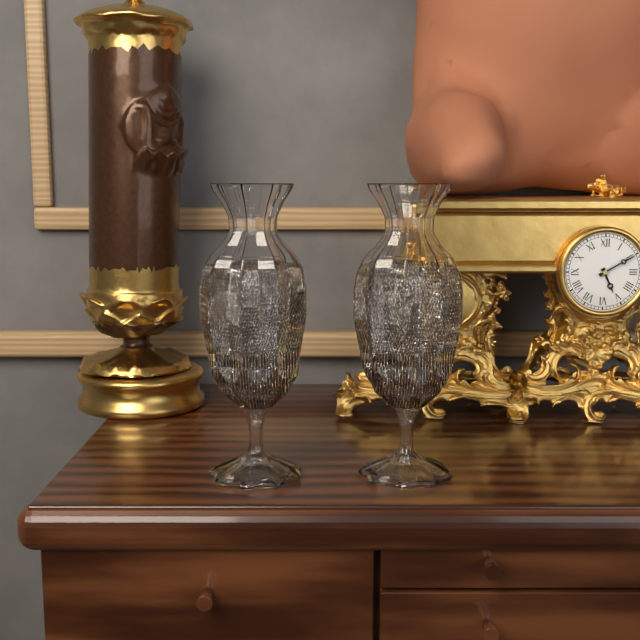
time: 5:10
